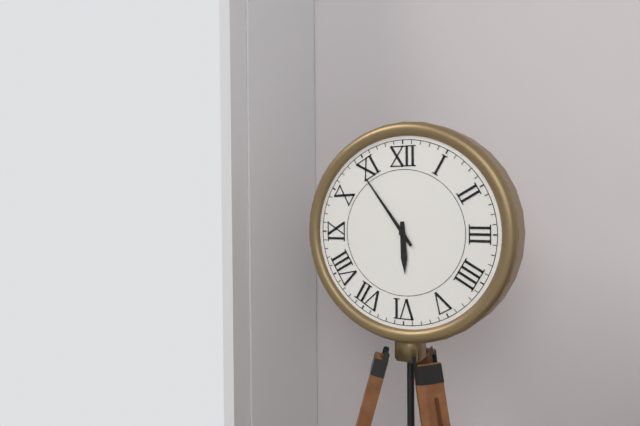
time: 5:54
